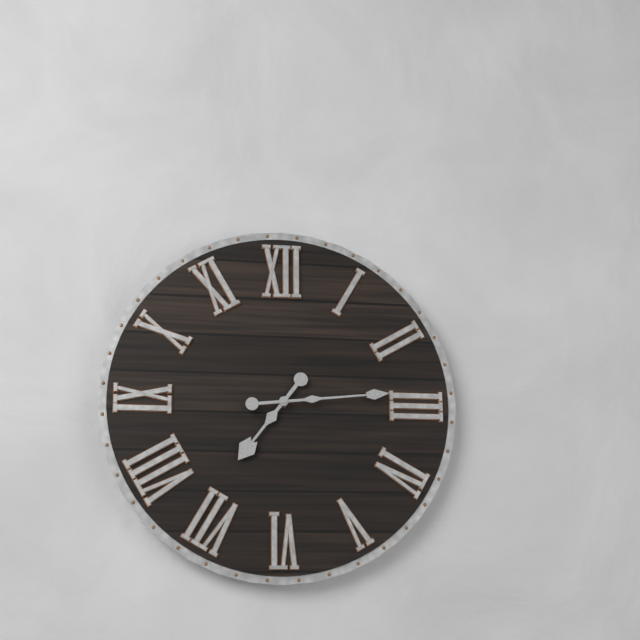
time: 7:14
